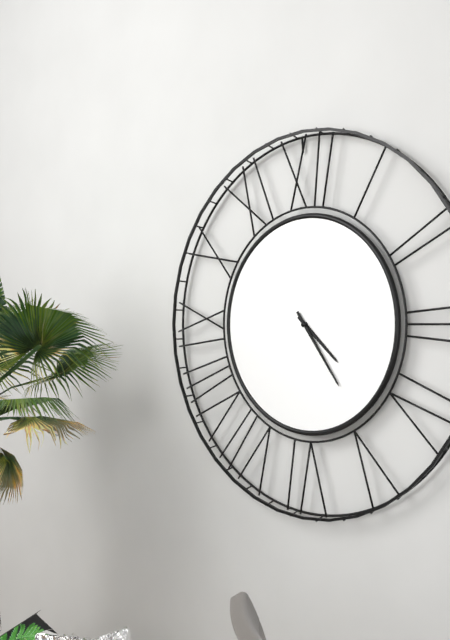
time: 4:24
